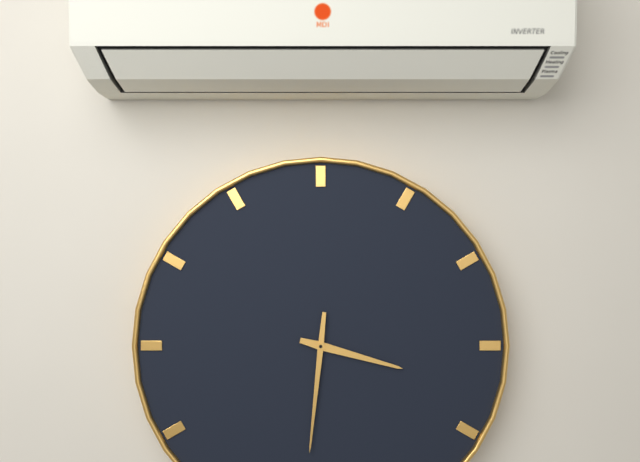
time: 3:31
